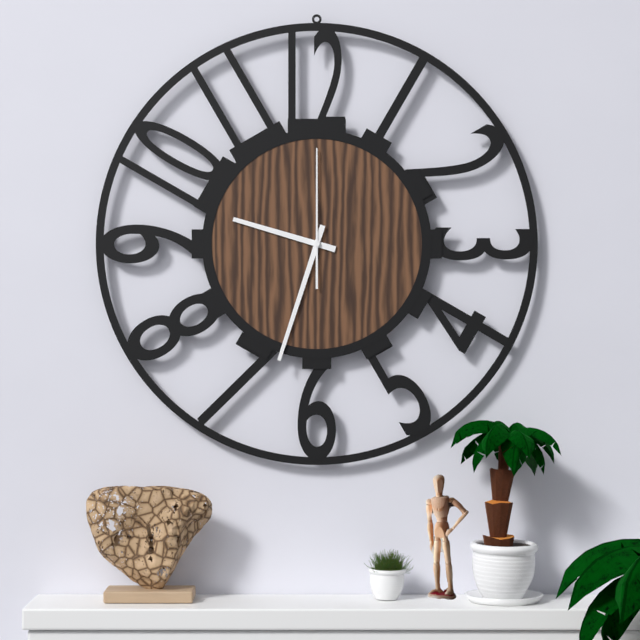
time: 9:33:00
